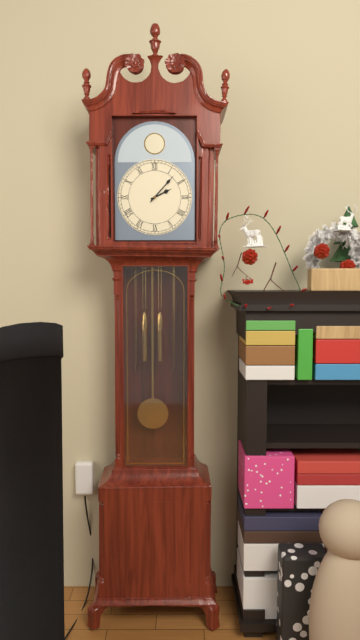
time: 2:07
